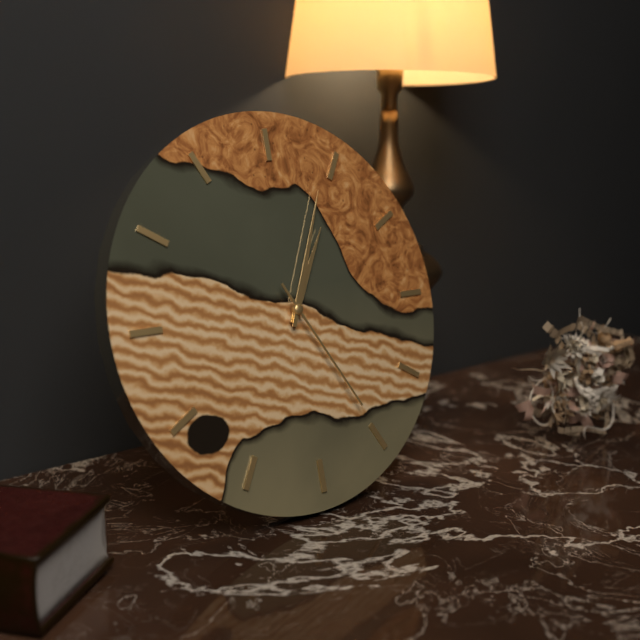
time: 1:04:25
